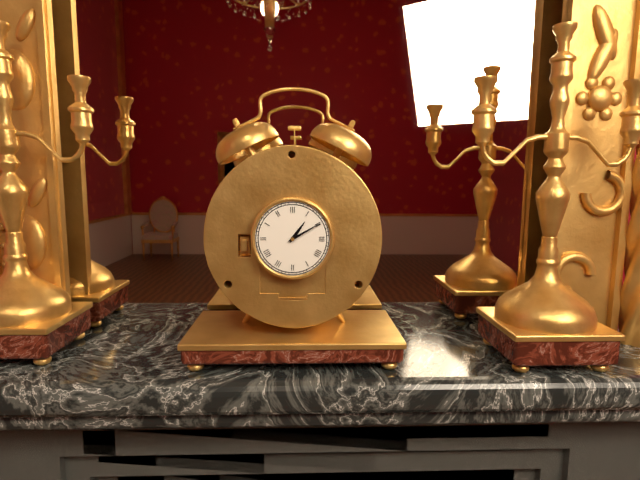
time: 1:10
